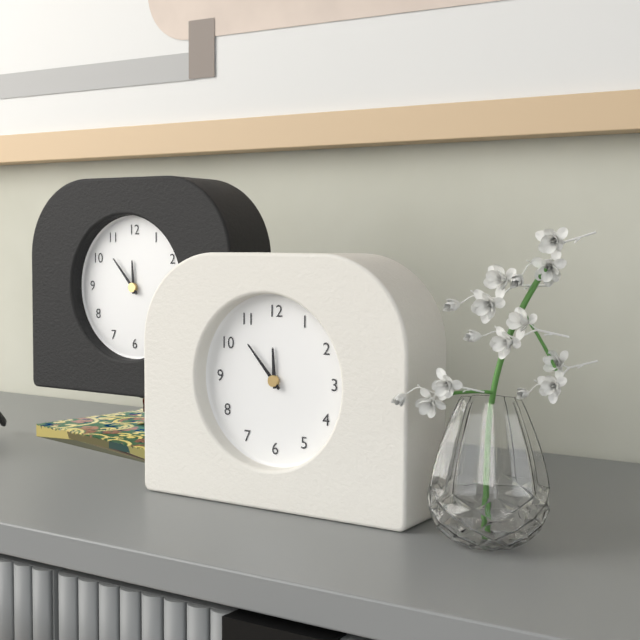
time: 11:53
